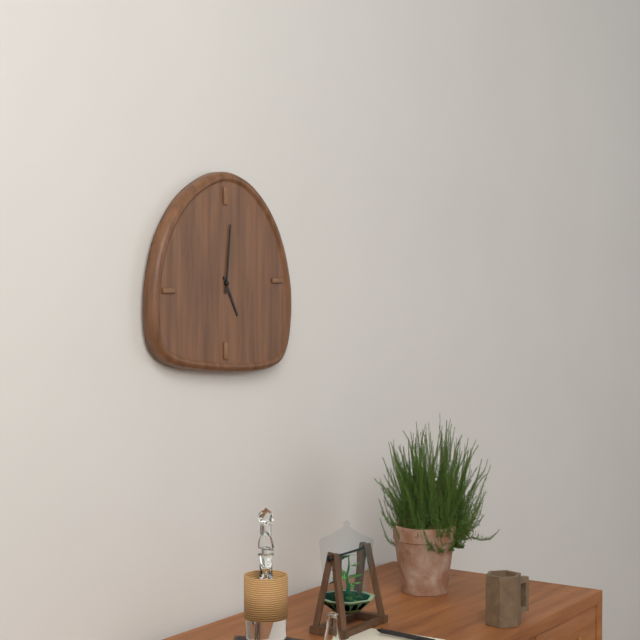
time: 5:01
